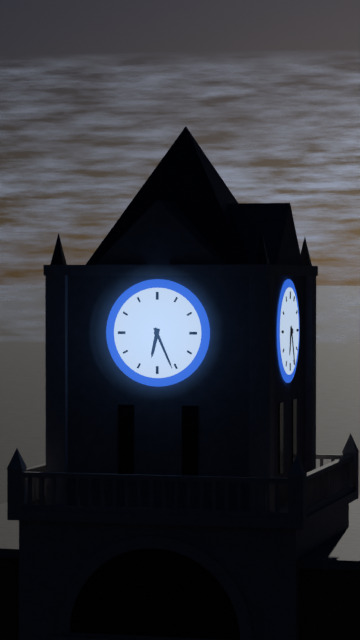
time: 6:26
